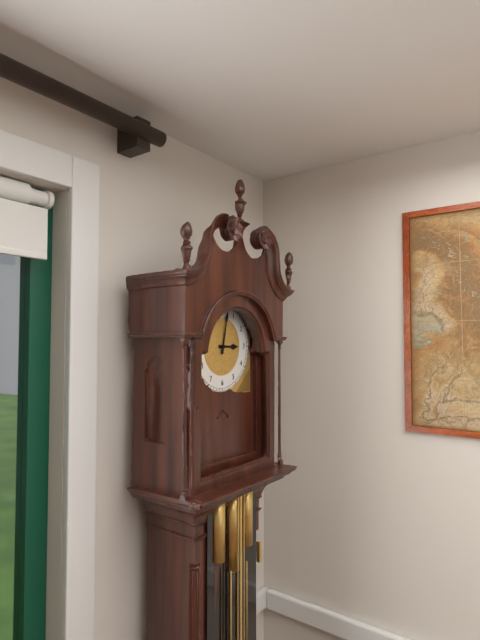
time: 3:02
